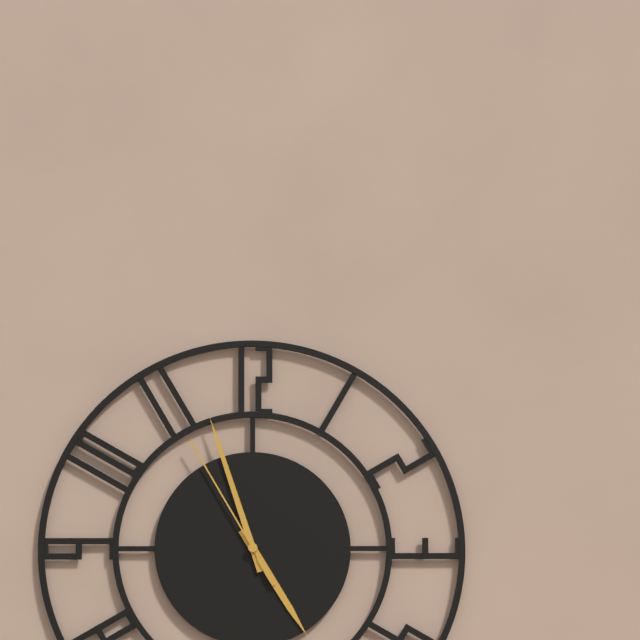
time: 4:57:55
